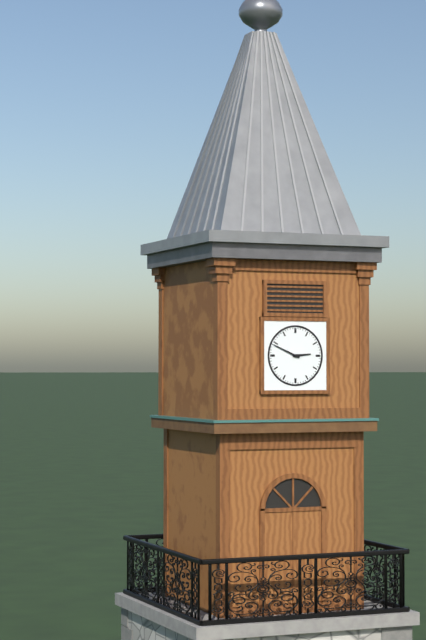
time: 2:49
